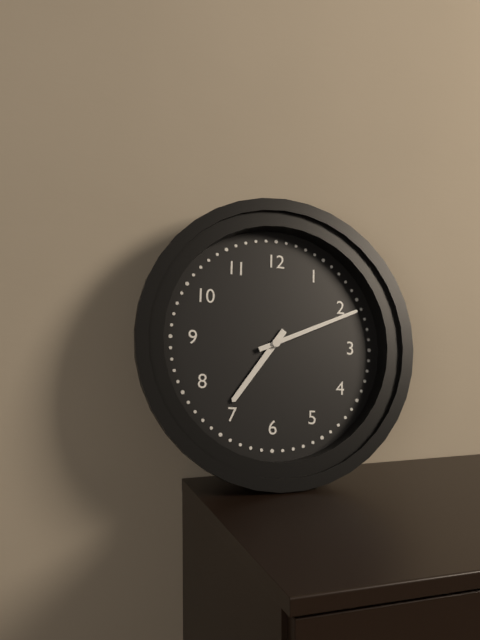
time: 7:11
